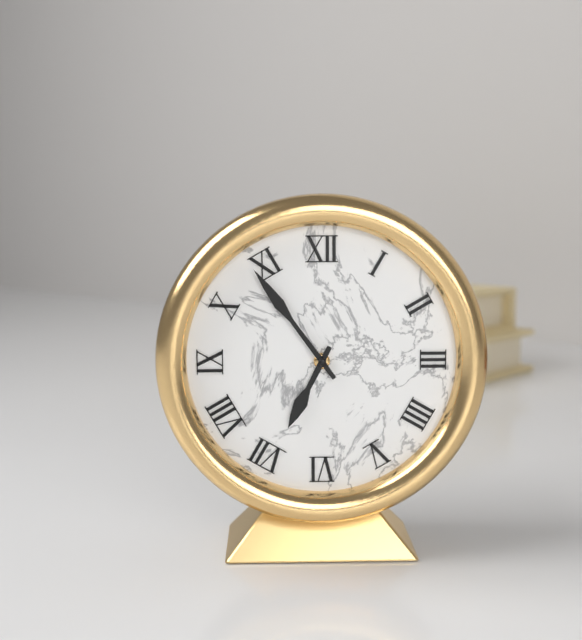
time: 6:54
